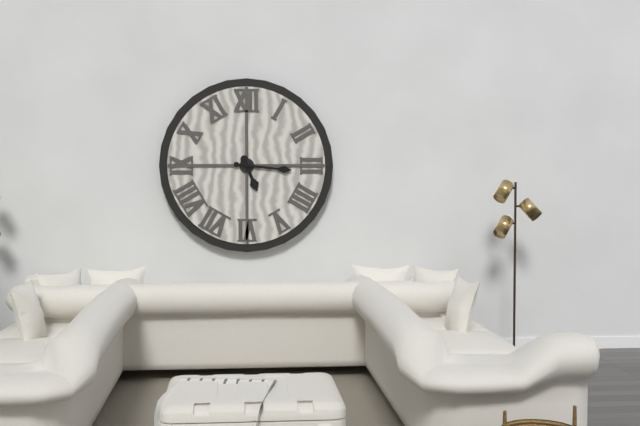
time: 5:16
